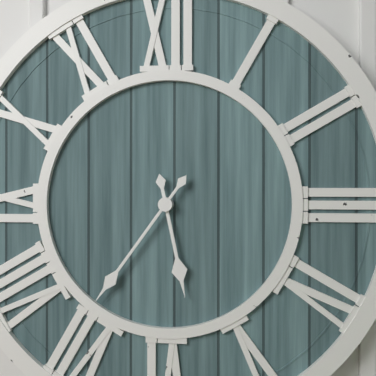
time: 5:36
